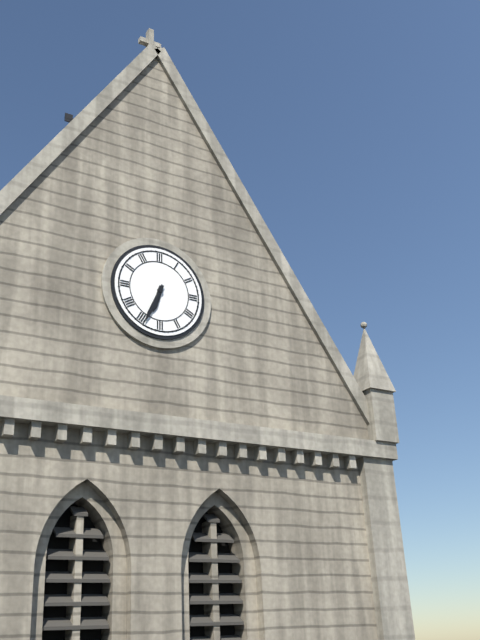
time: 6:34
